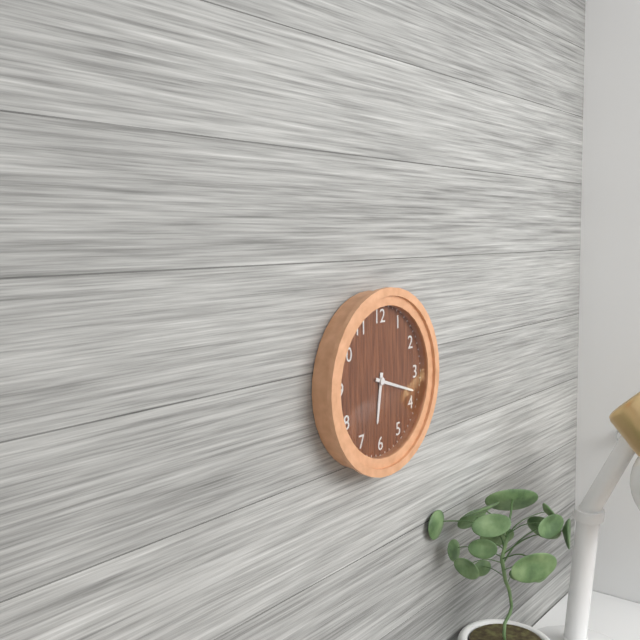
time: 6:18
